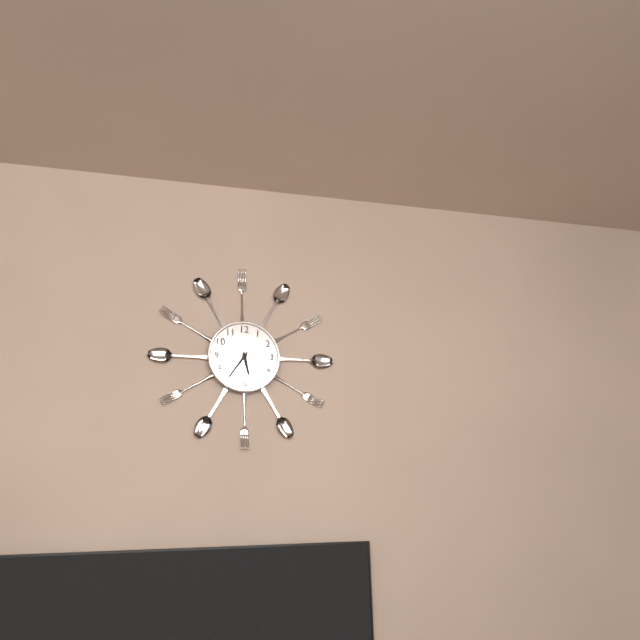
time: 5:36
